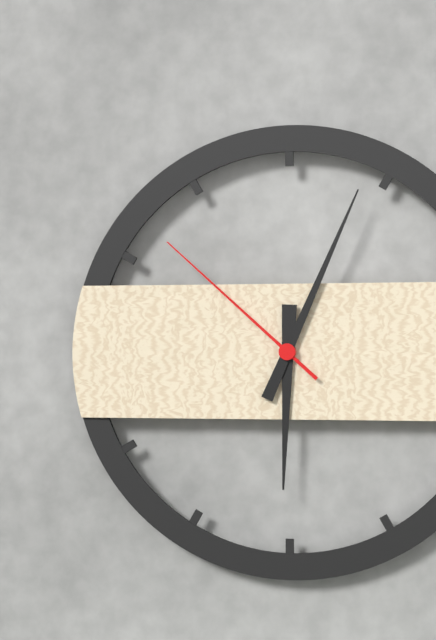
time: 6:04:52
